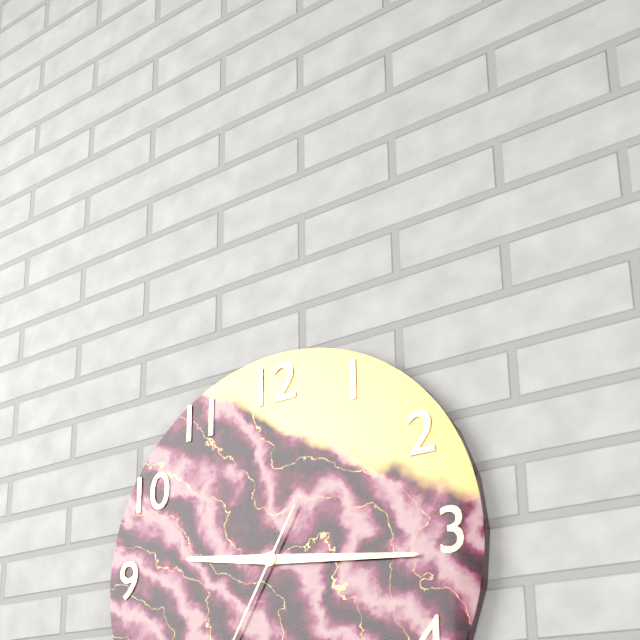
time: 9:16
